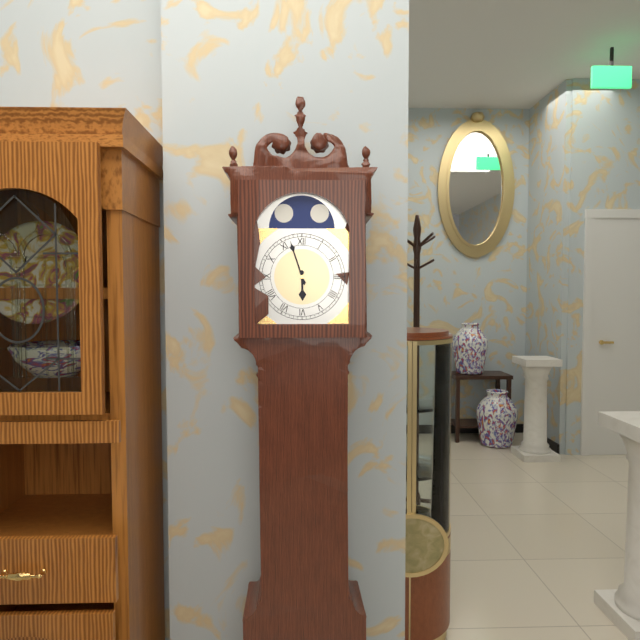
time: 5:57
